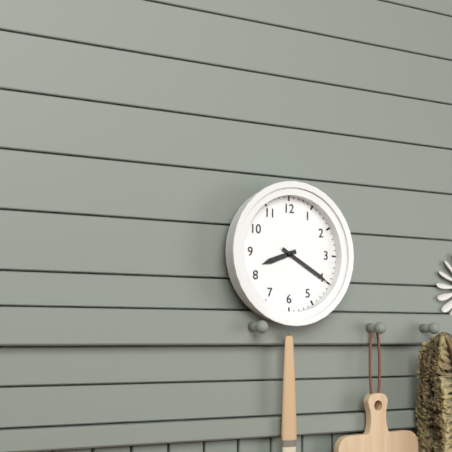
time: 8:20
